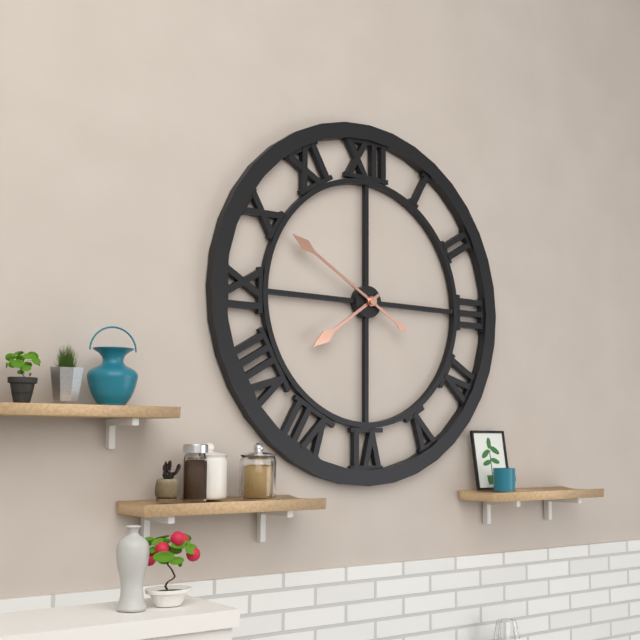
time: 7:50
